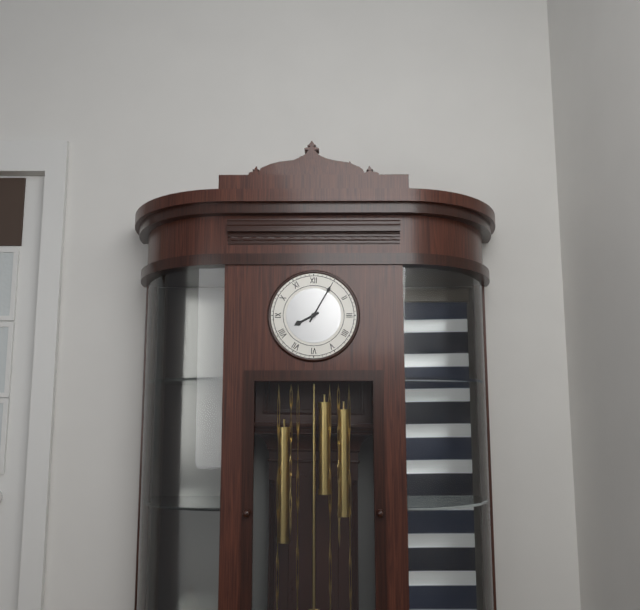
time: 8:05
